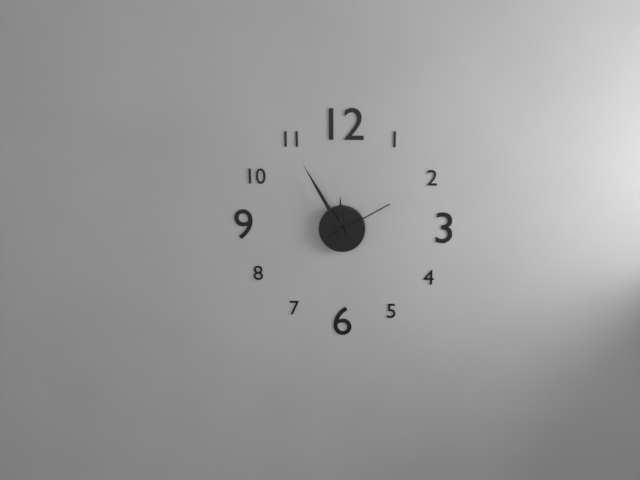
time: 11:55:10
